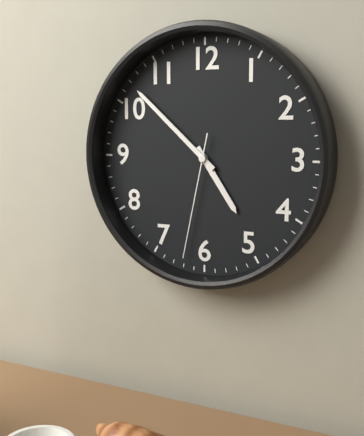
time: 4:52:32
